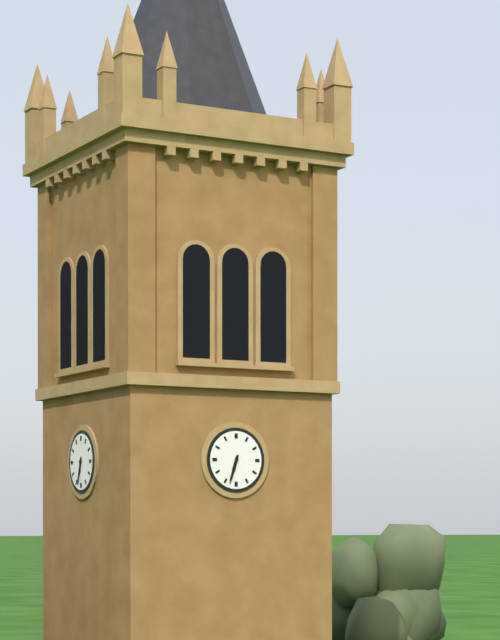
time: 6:33
